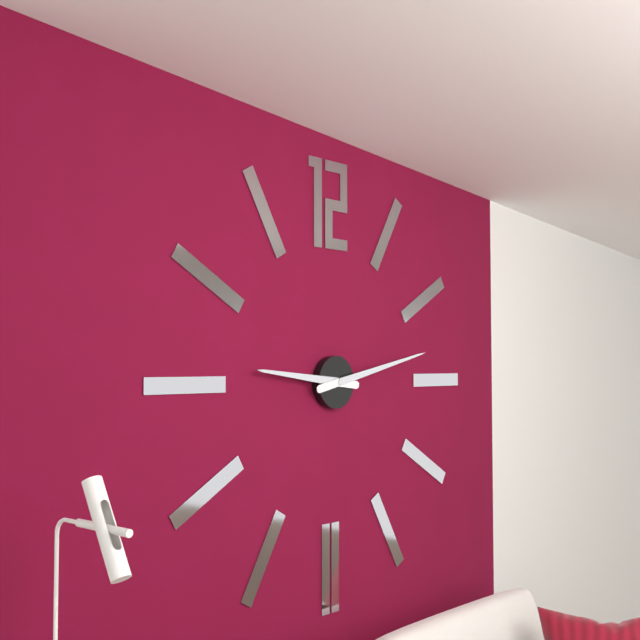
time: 9:13
